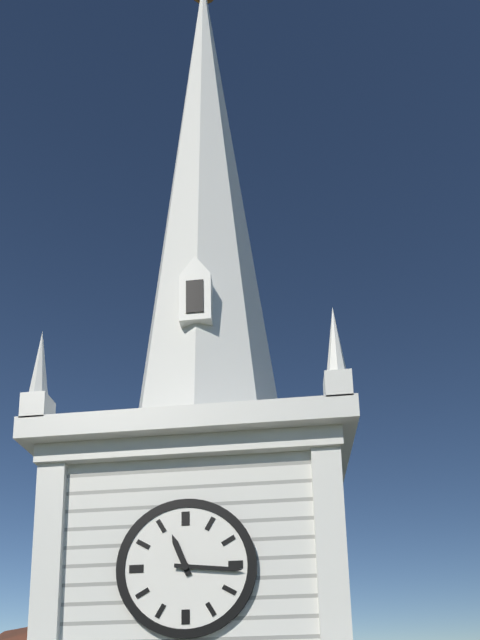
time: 11:16
